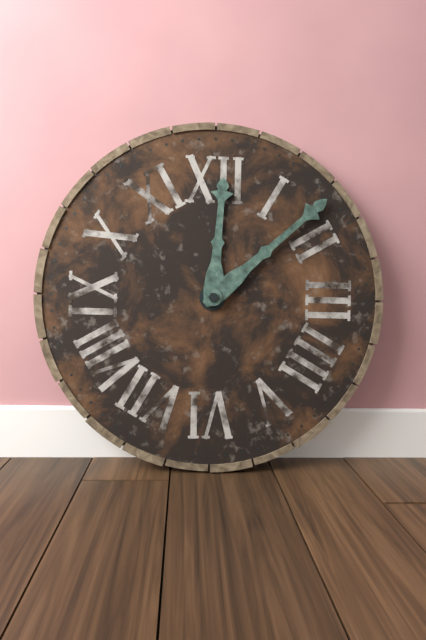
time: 12:08
